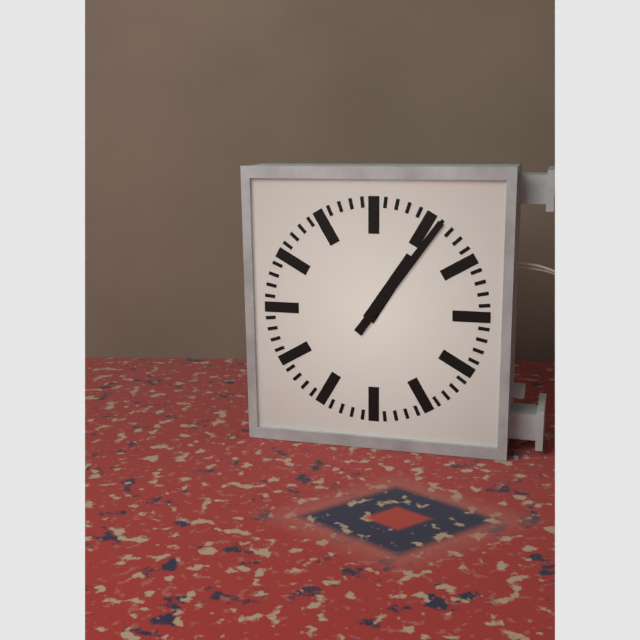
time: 1:06
